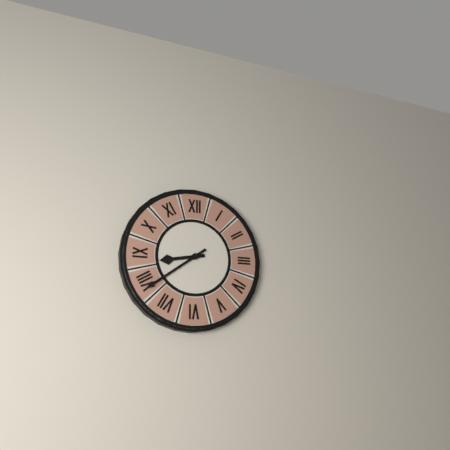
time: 8:39
